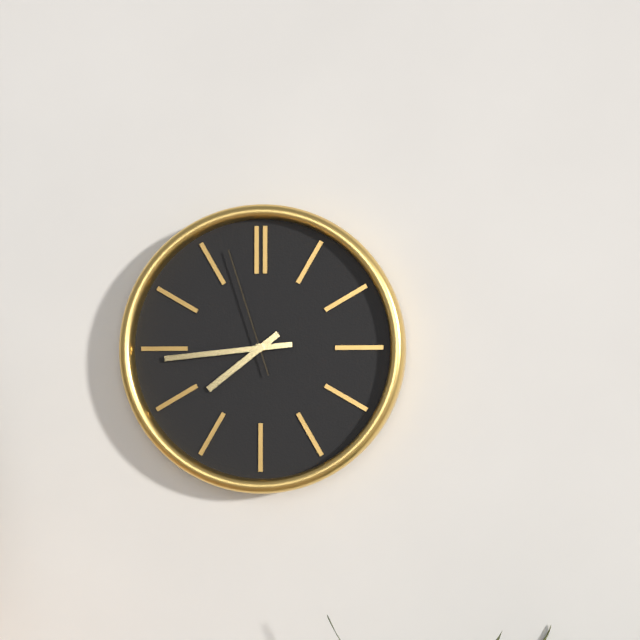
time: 7:44:57
